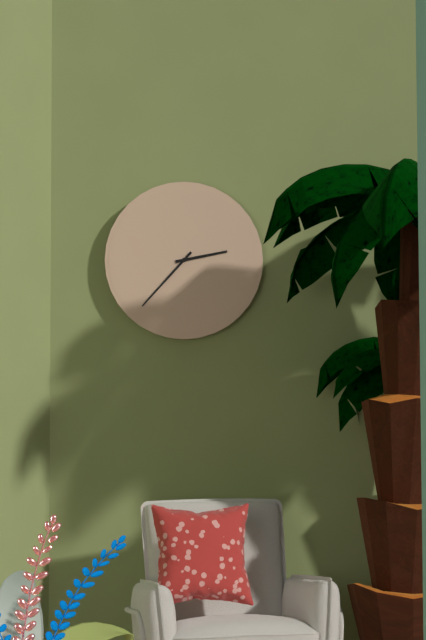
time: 2:37
